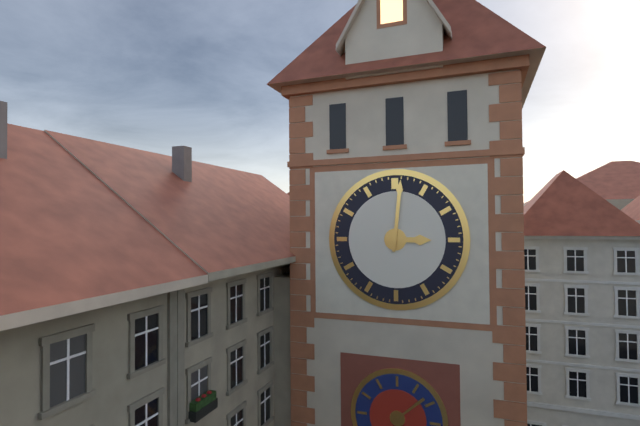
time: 3:01
